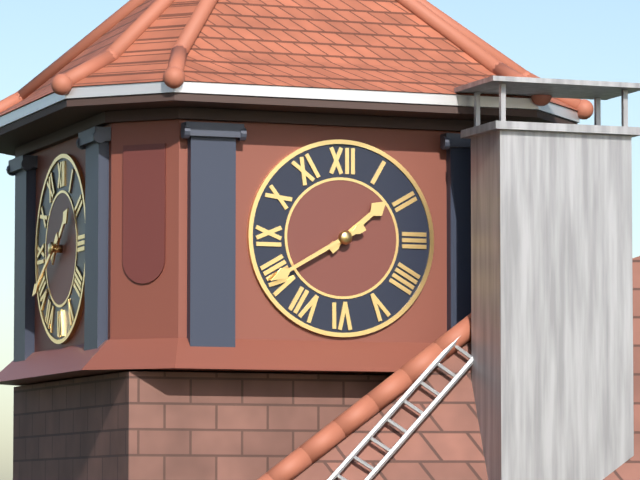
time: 1:40
